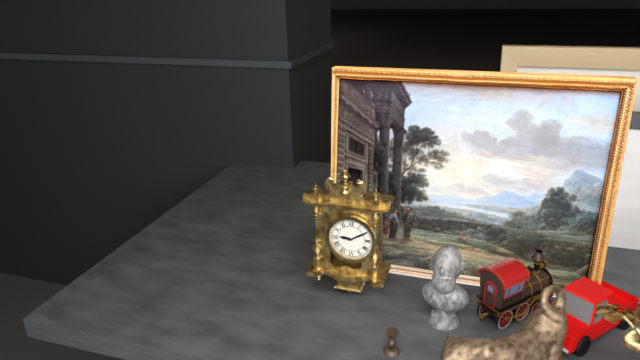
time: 9:10
